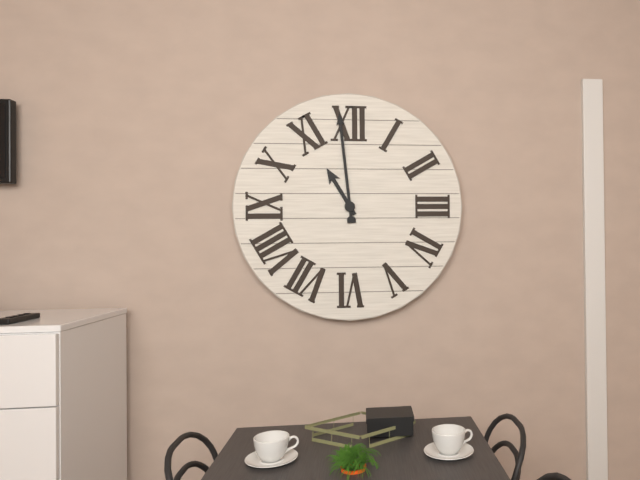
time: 10:59
